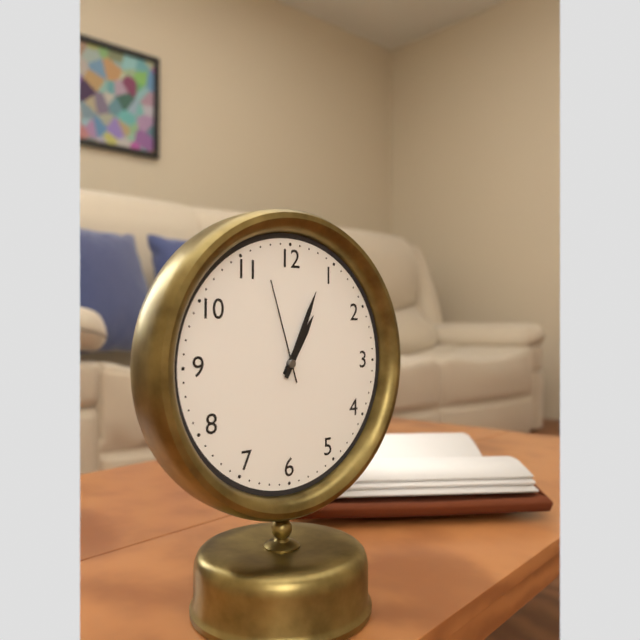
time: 1:04:57
